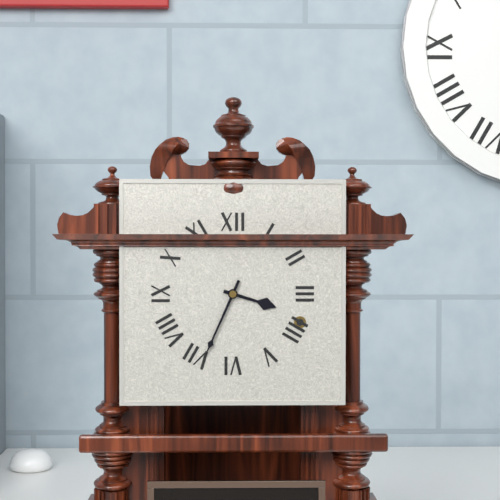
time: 3:34
